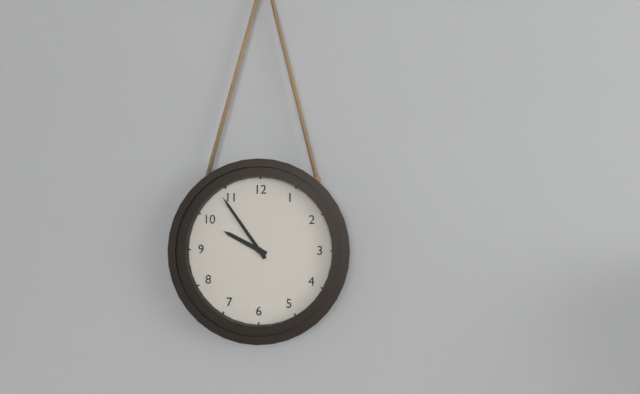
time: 9:54
